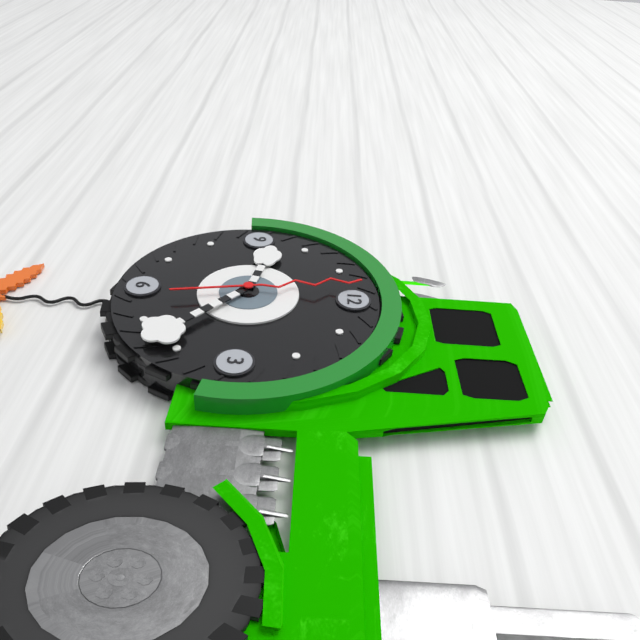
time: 9:22:58
